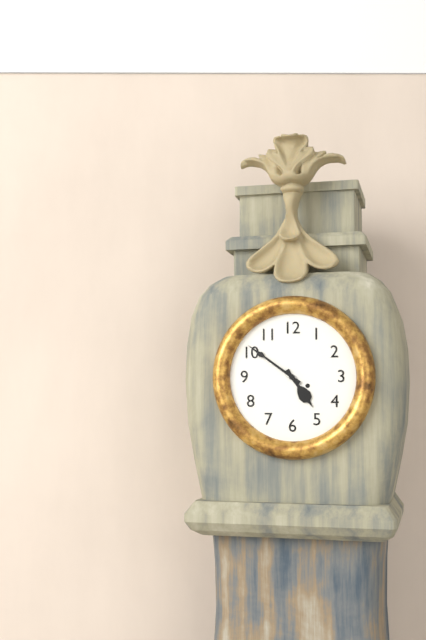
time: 4:51
